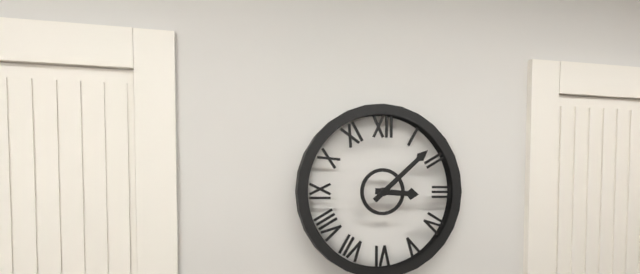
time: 3:08
